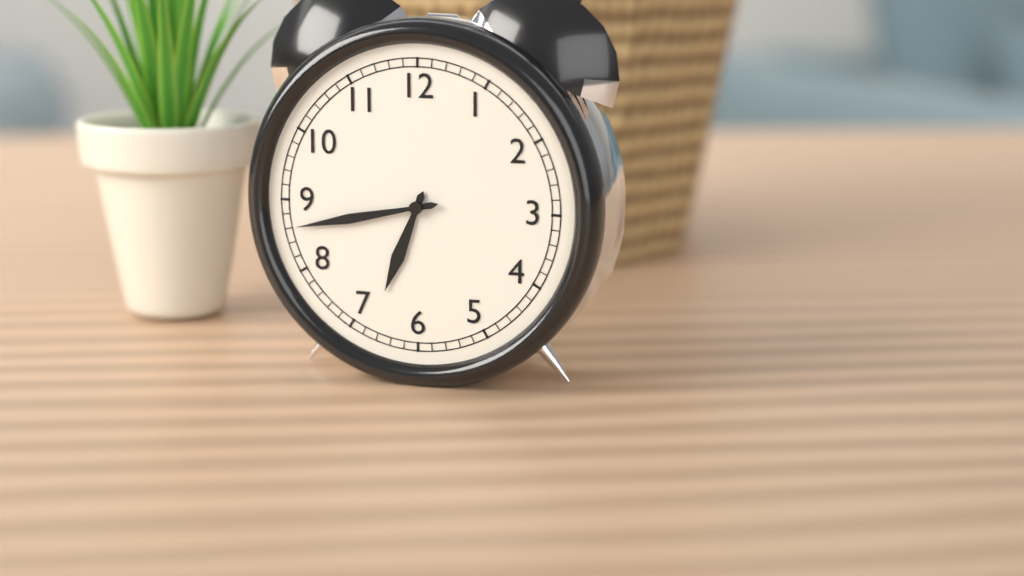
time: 6:43
